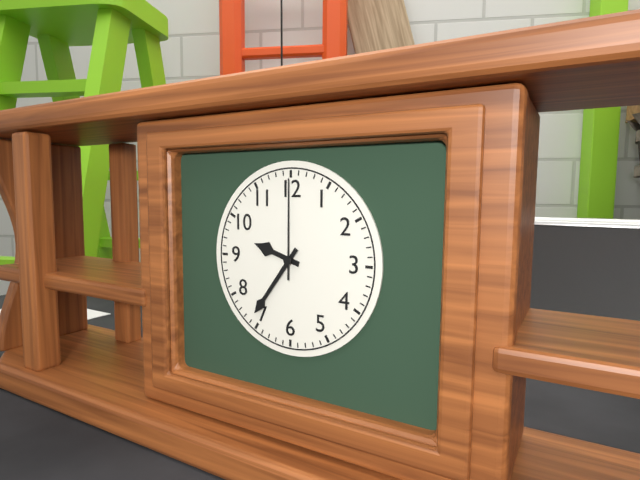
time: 9:36:00
